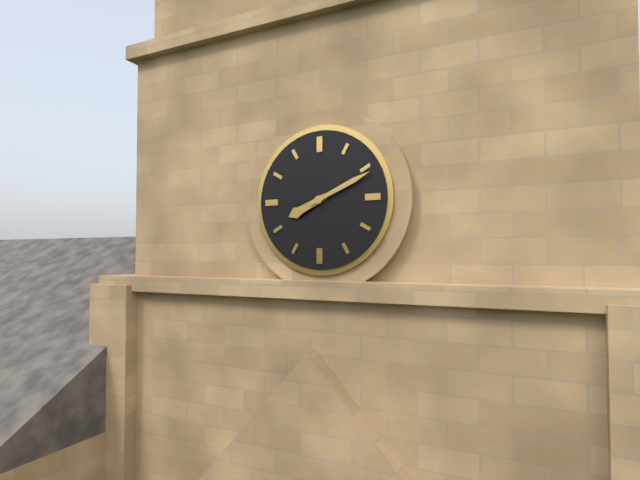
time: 8:11
